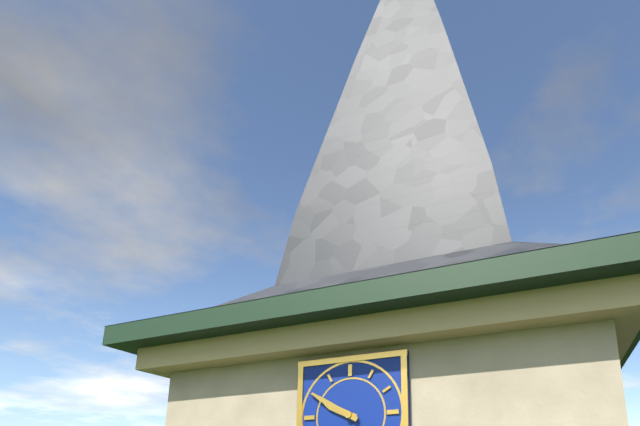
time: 9:50
